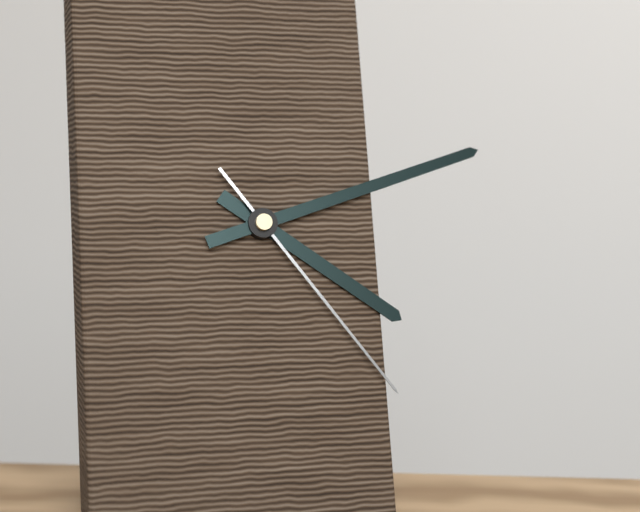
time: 4:12:24
